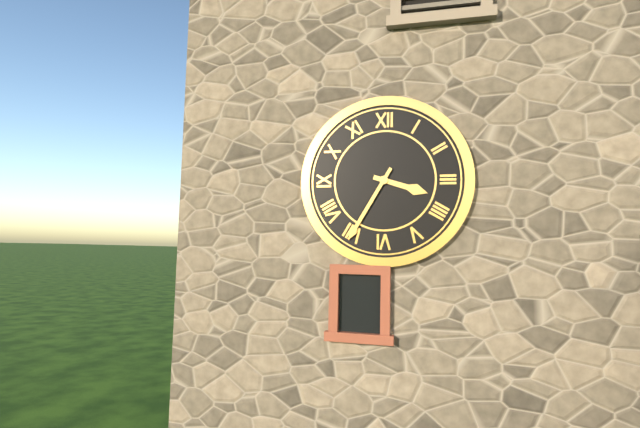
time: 3:35
